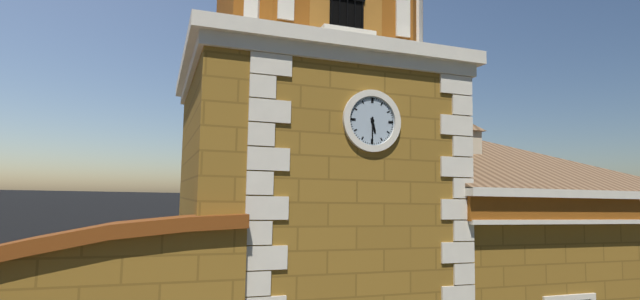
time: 5:30
